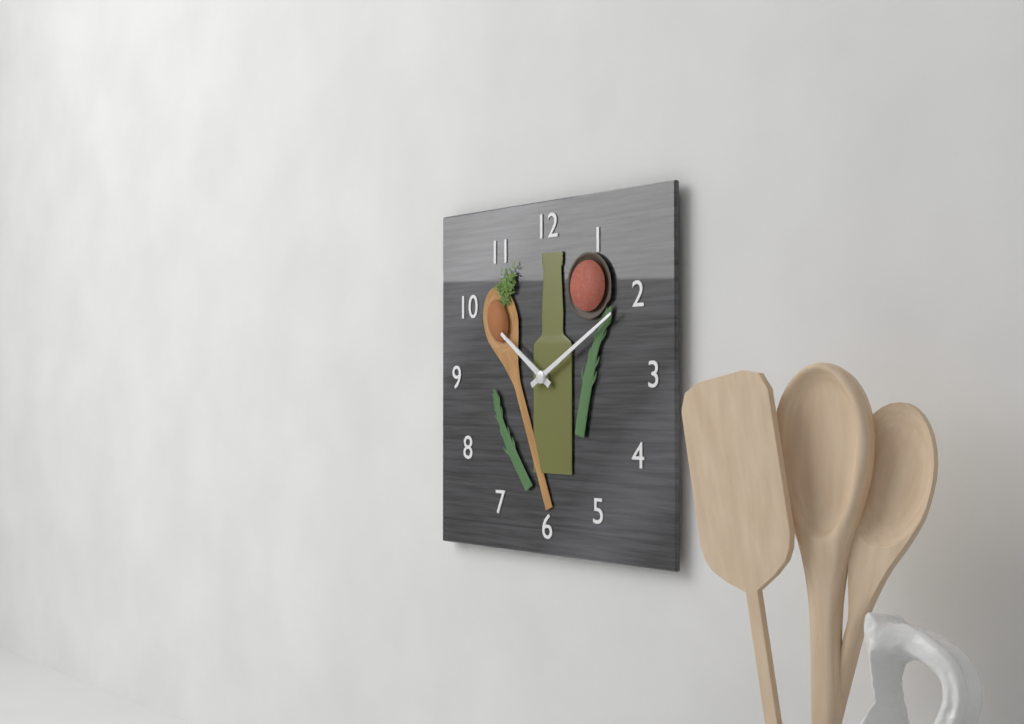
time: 10:10
